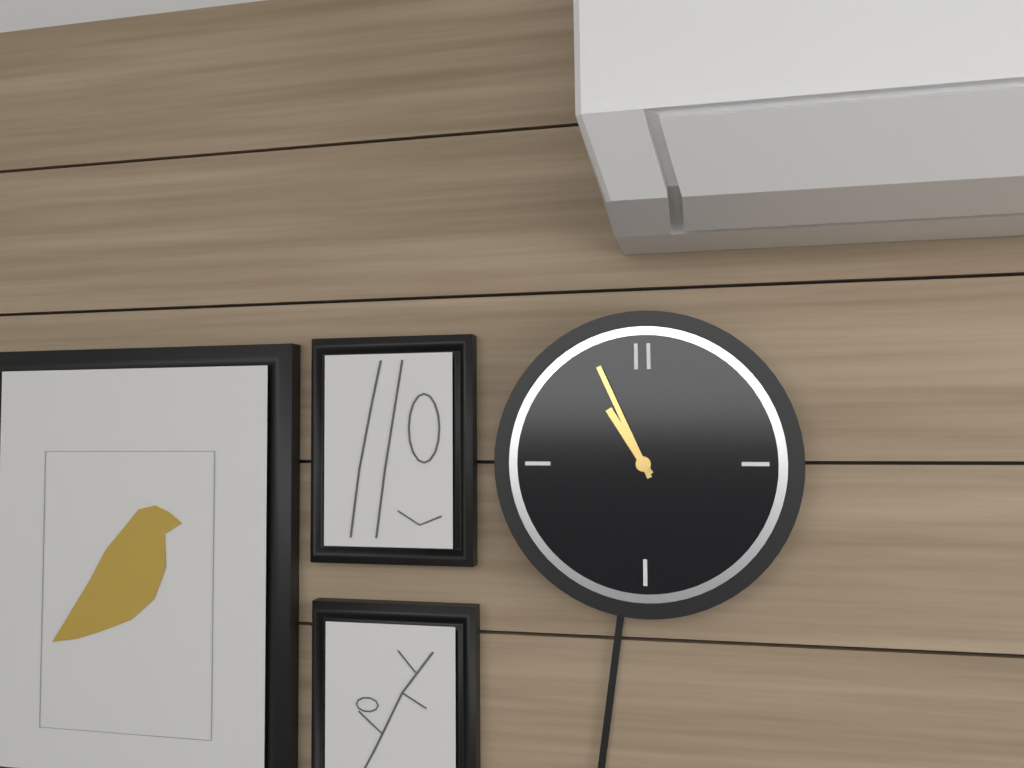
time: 10:56
